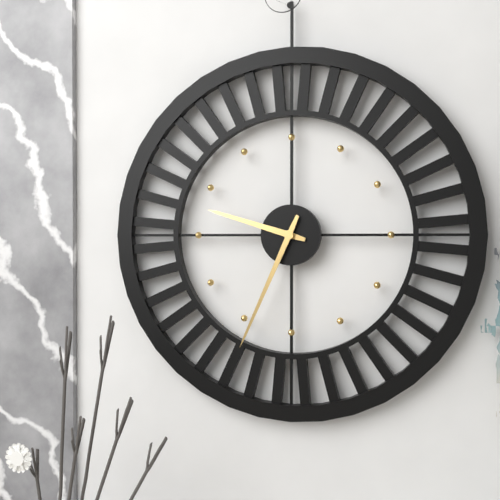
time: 9:34
